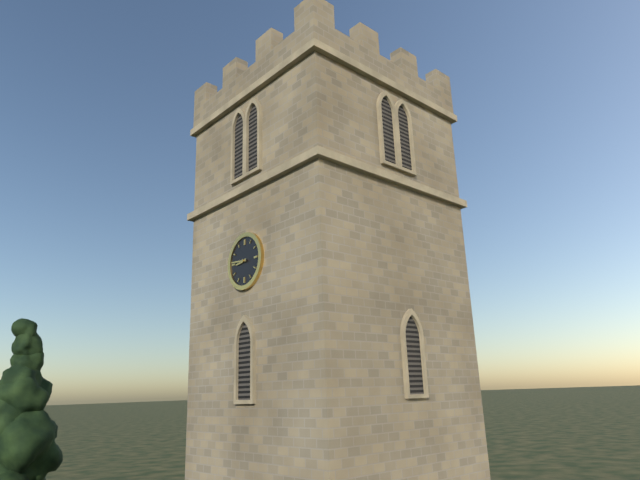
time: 8:46
